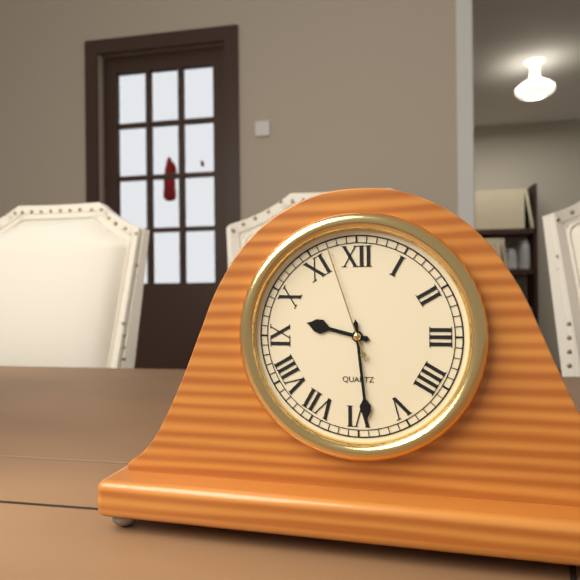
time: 9:29:57
